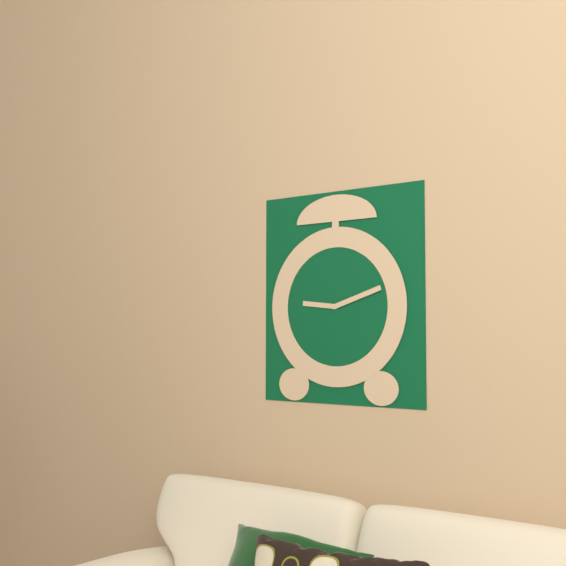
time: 9:12
